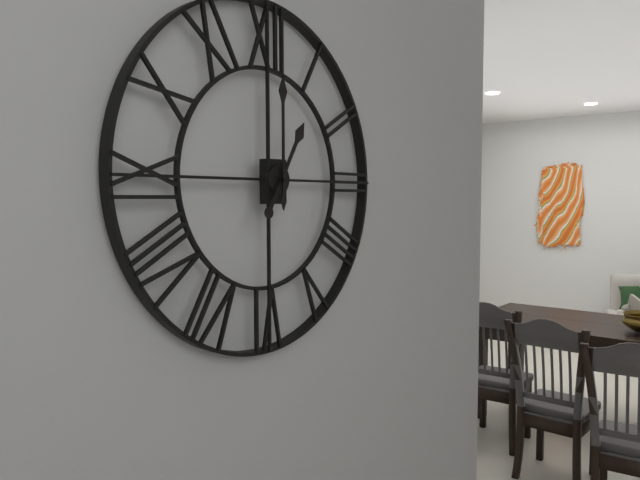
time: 1:00
